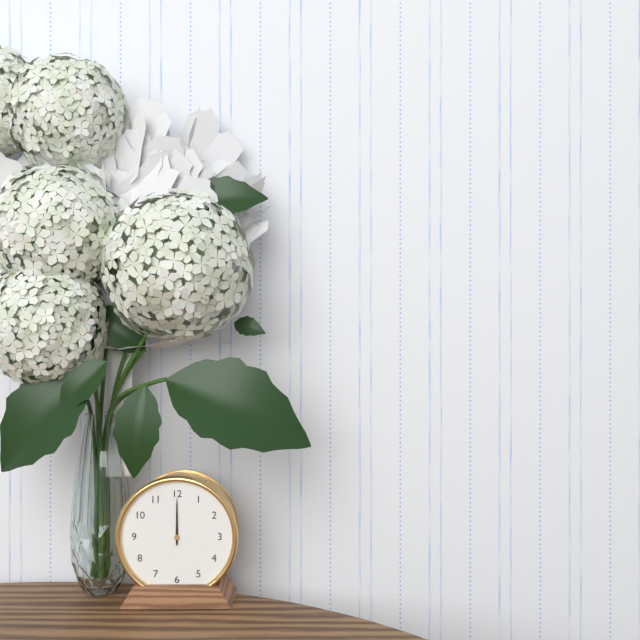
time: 12:00
